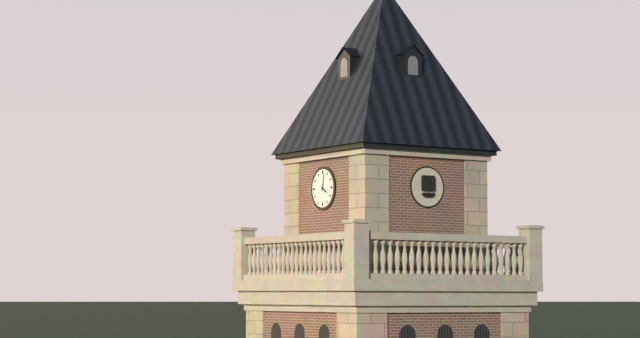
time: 4:02
